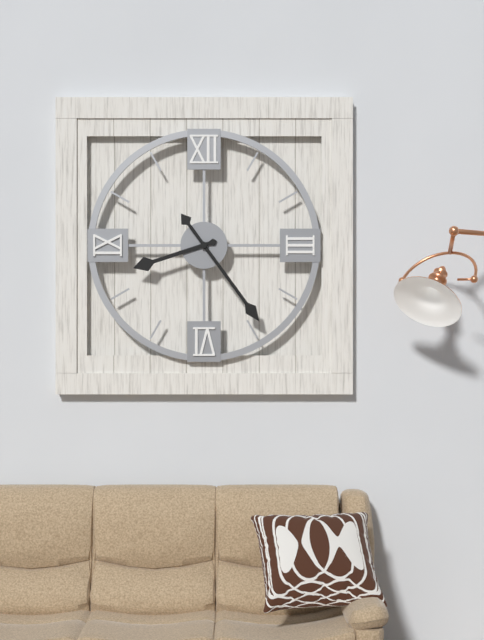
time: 8:24
